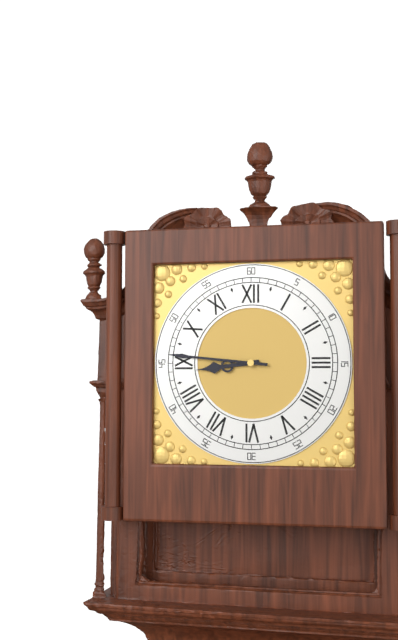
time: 8:46
